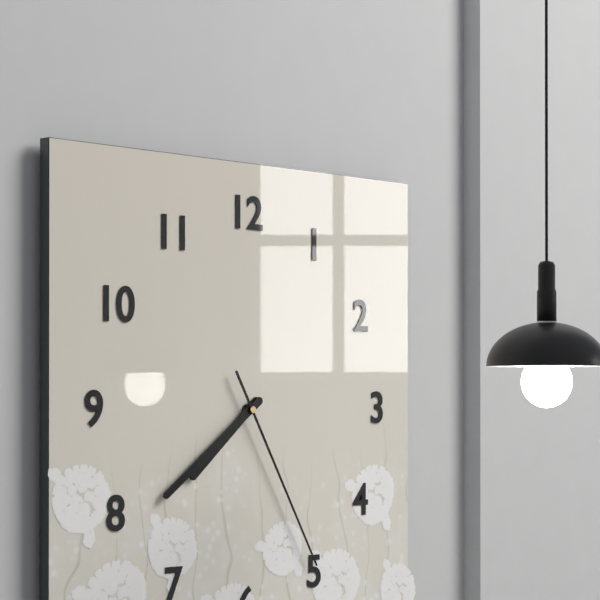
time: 7:39:25
